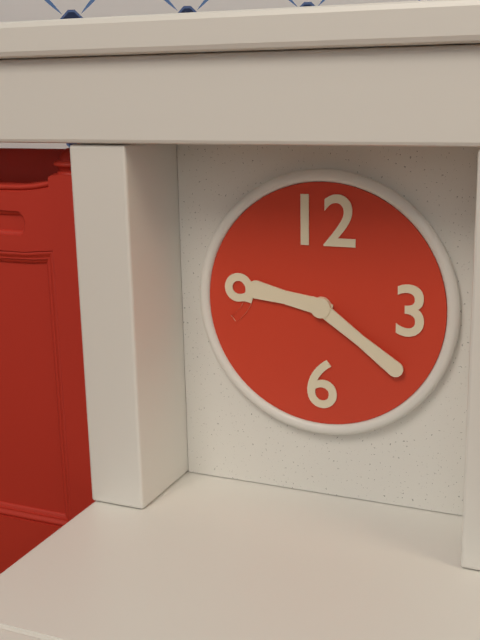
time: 9:21
